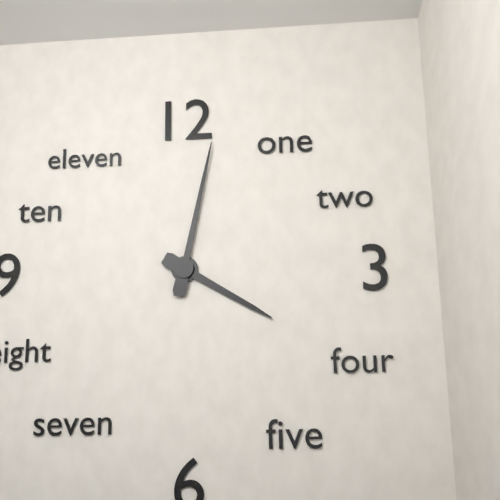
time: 4:02
